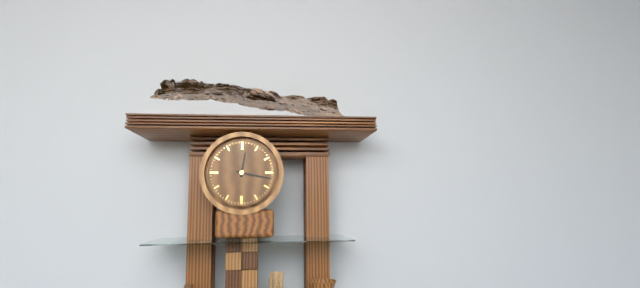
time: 12:17
